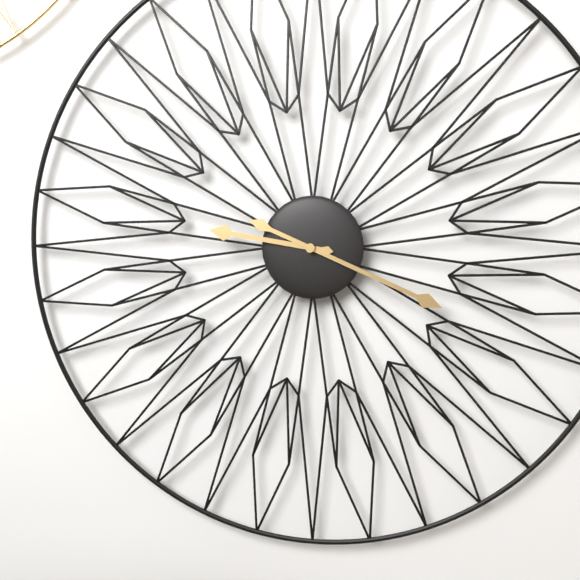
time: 9:19
